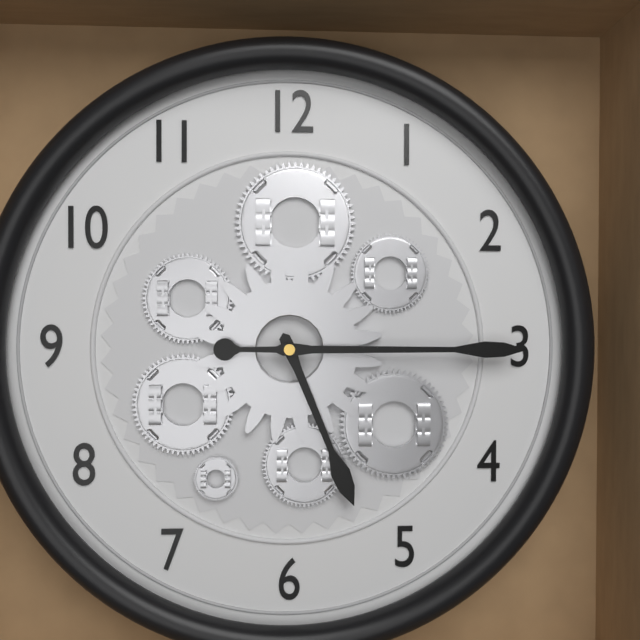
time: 5:15
